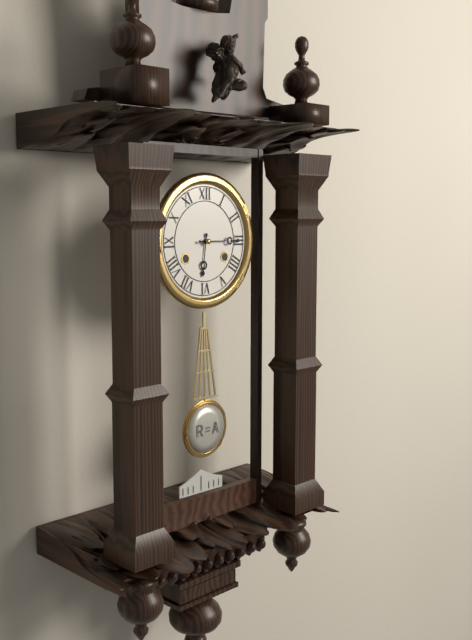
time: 6:15
